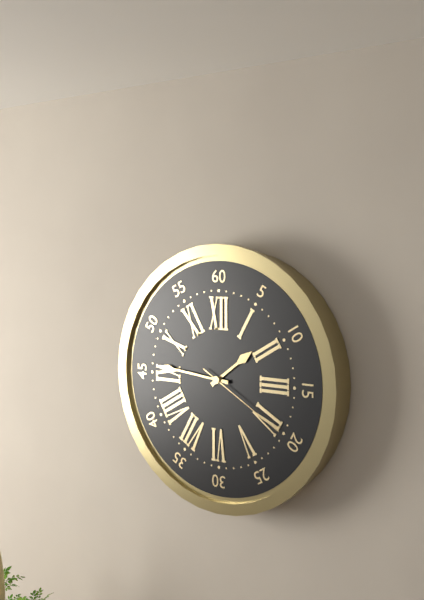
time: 1:46:20
